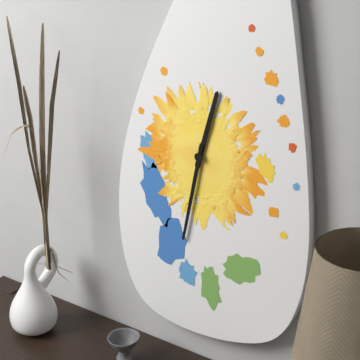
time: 12:32
